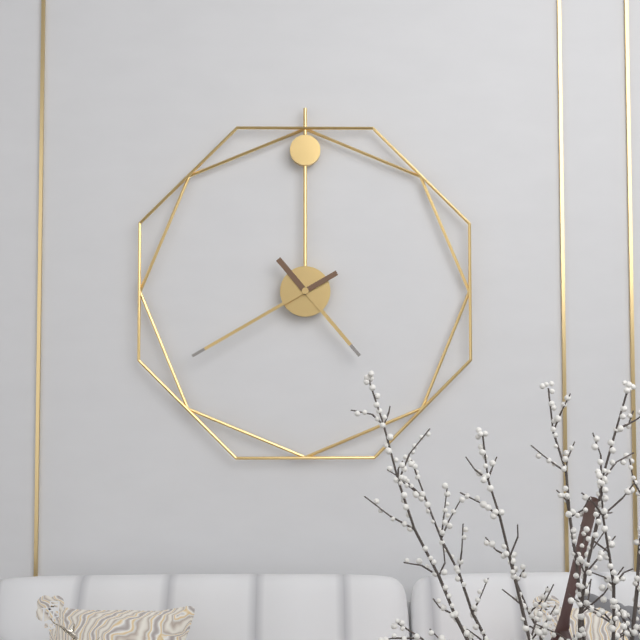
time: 4:40
